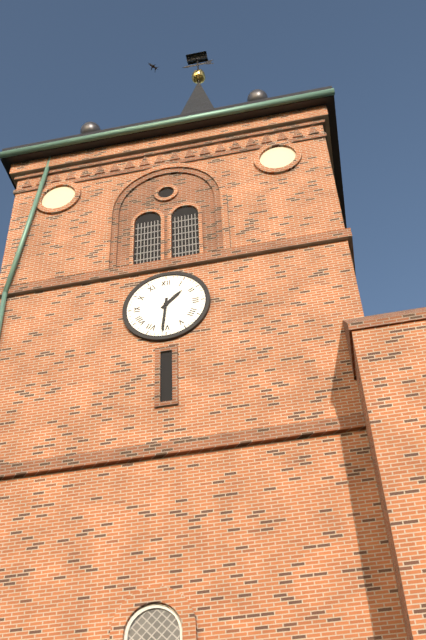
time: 1:31
